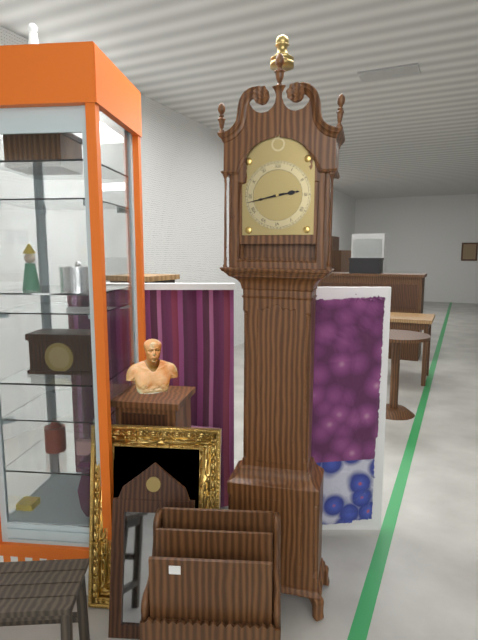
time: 2:43
